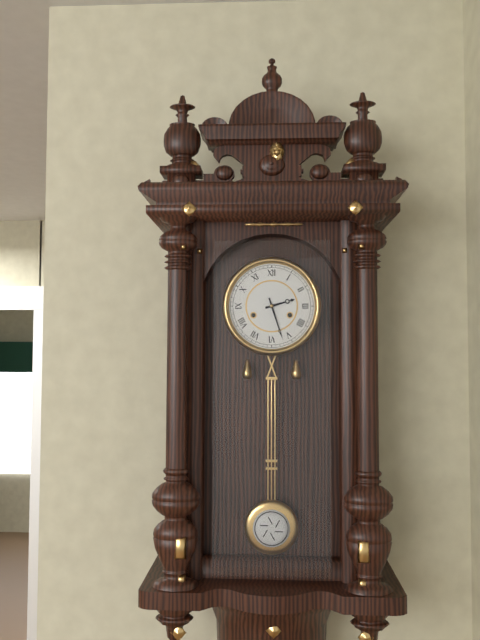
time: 2:27
